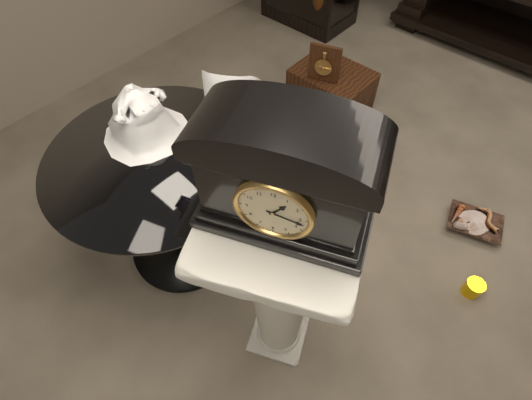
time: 1:17
